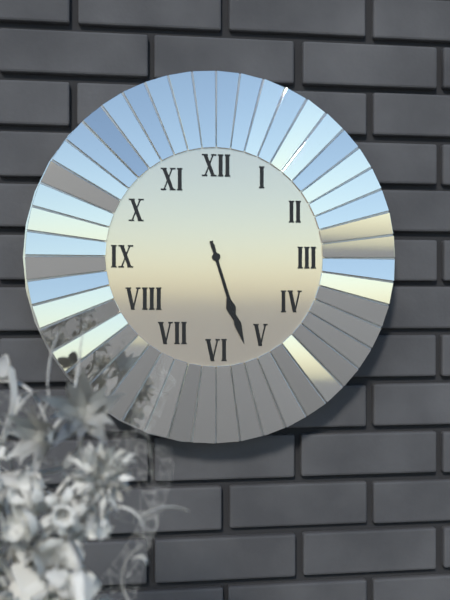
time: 5:27
